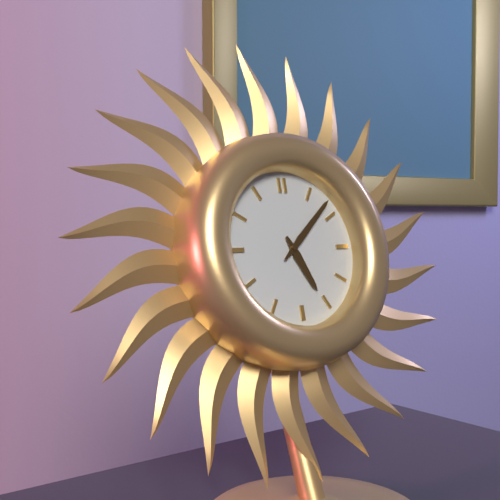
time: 5:08
